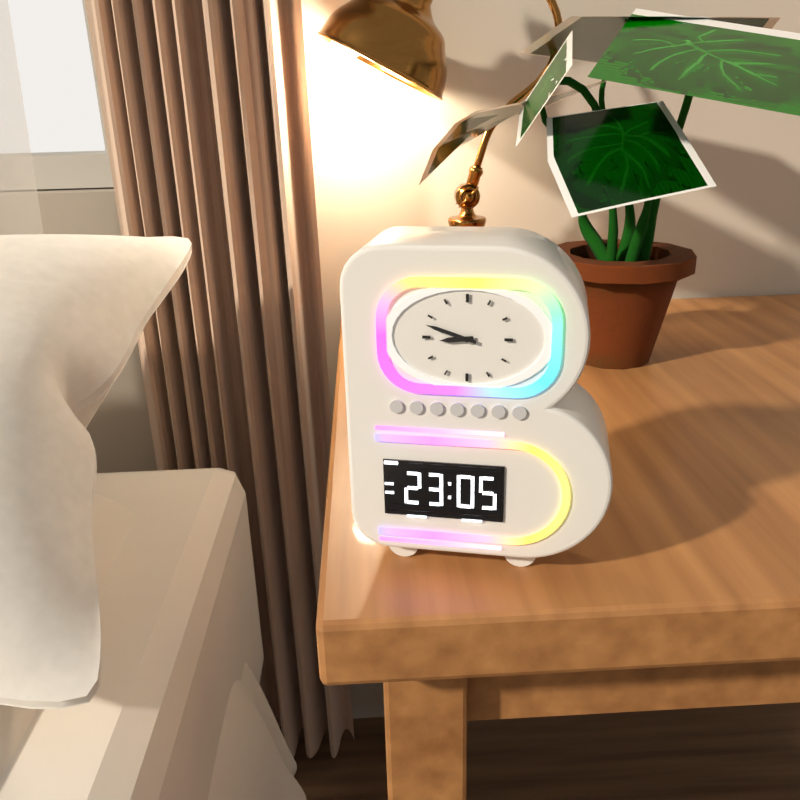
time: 8:48
